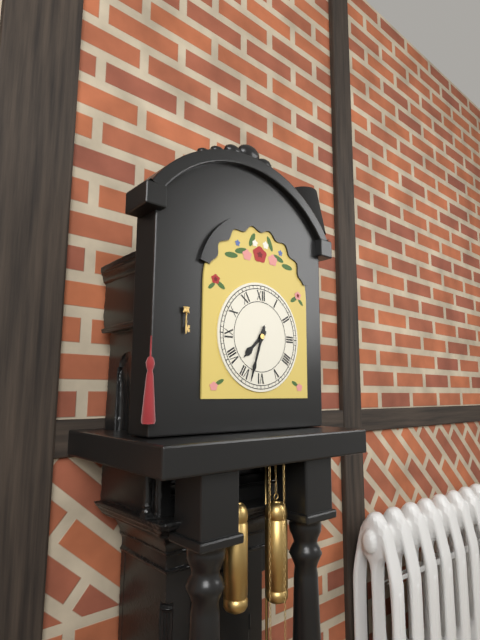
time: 7:33
